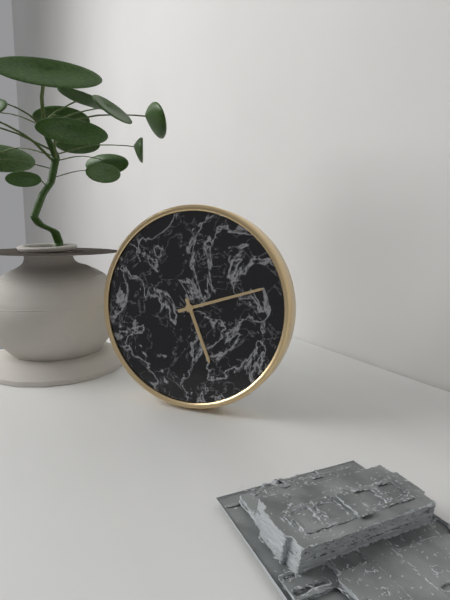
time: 5:12
